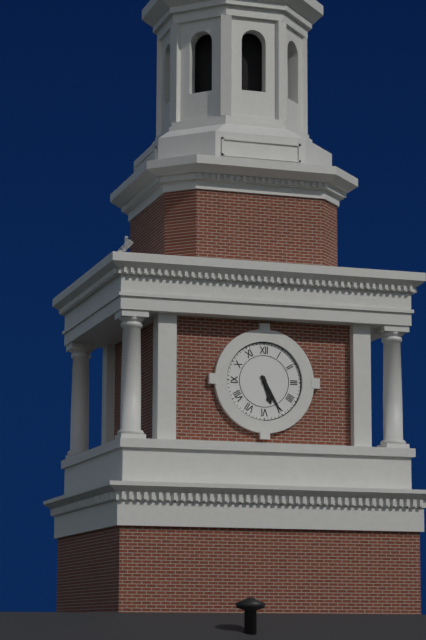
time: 5:25
